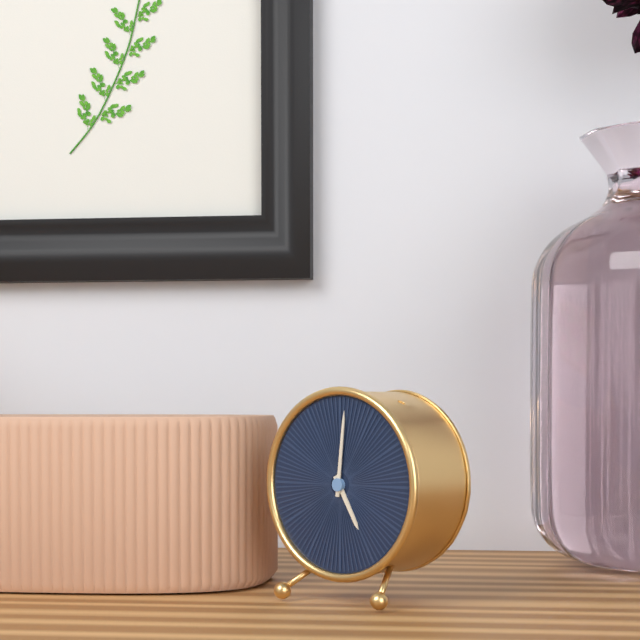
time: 5:01
